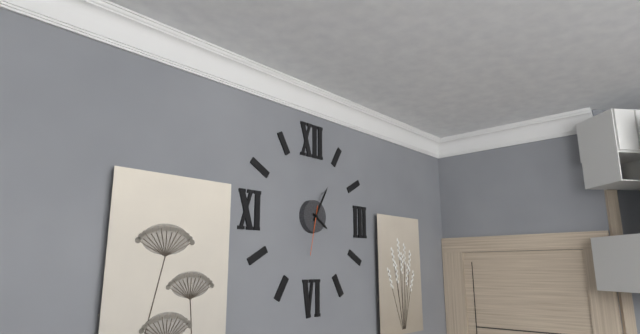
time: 4:05
